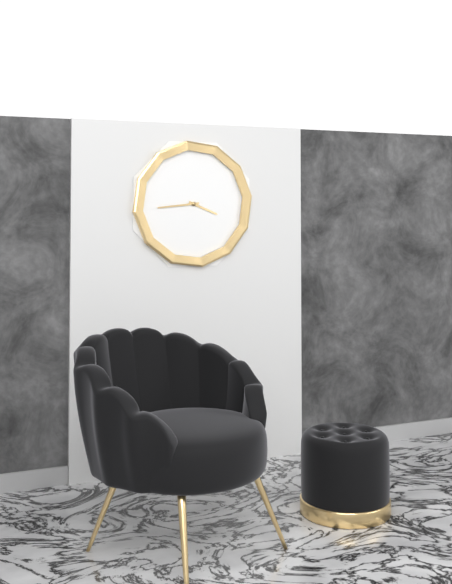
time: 3:44
